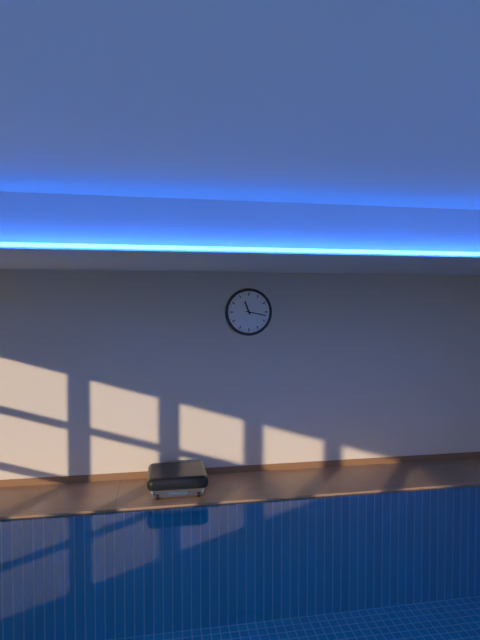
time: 11:17
